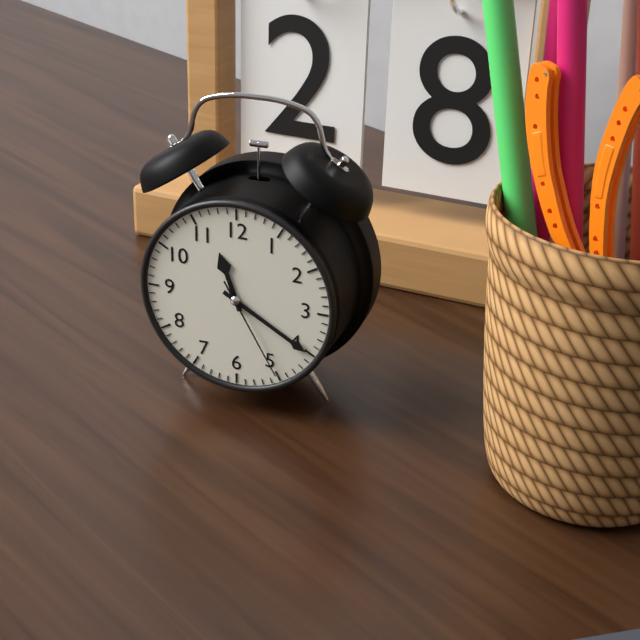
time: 11:20:25
